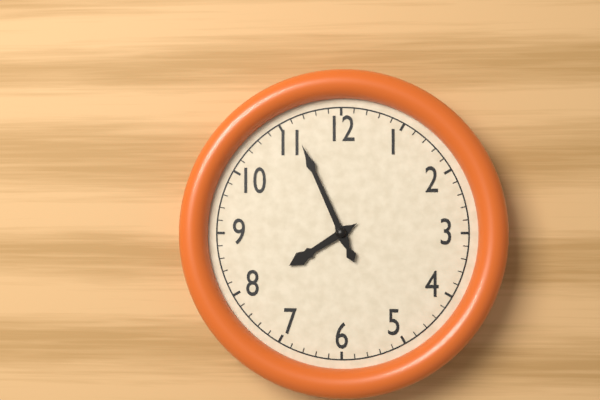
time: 7:56
